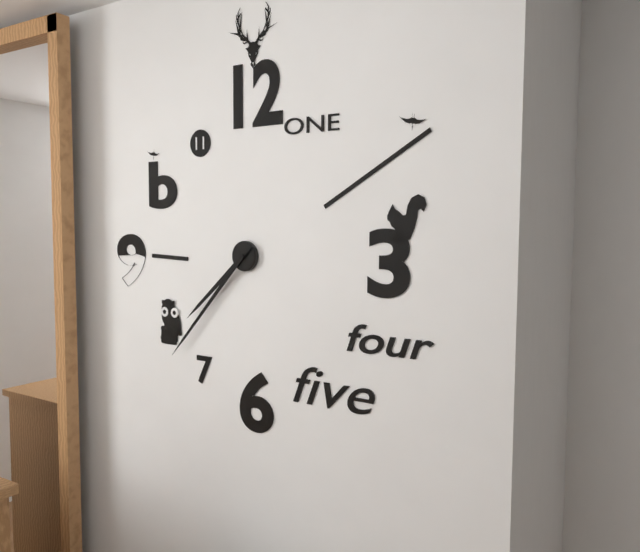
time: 7:37
